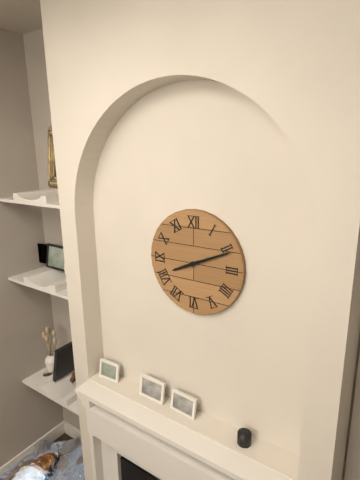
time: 8:11
